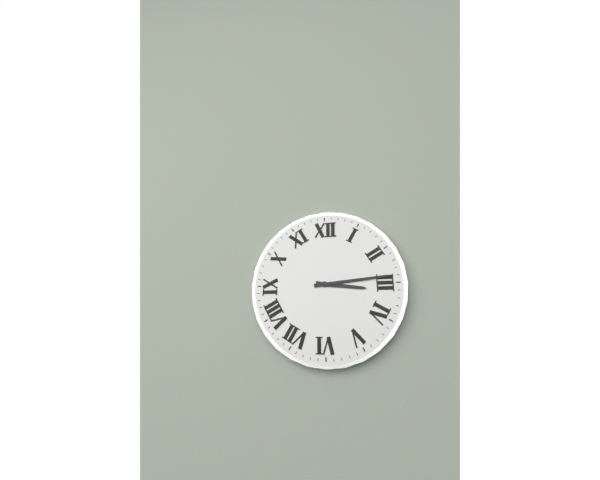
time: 3:14
